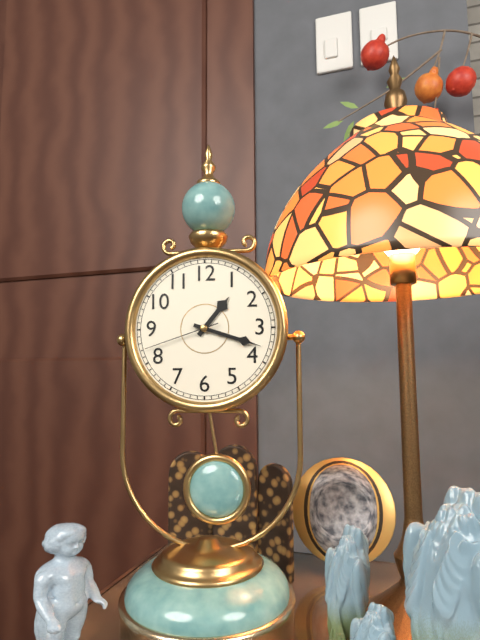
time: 1:18:42
